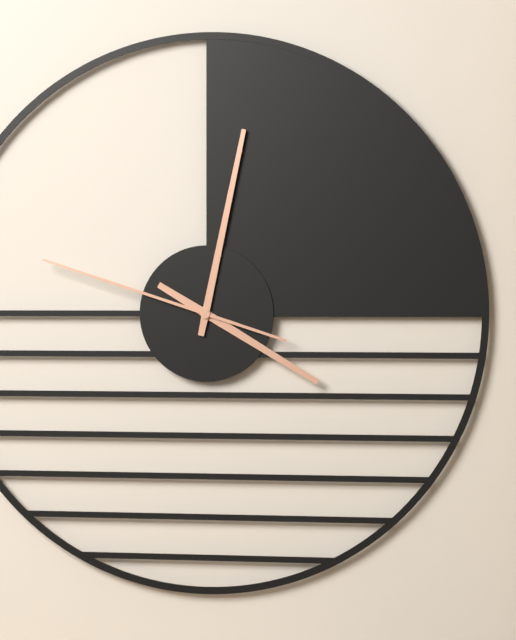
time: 4:02:48
